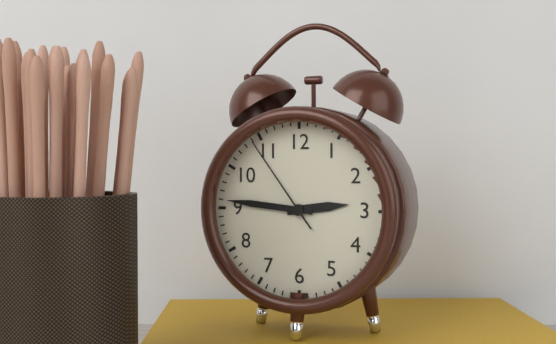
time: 2:46:54
